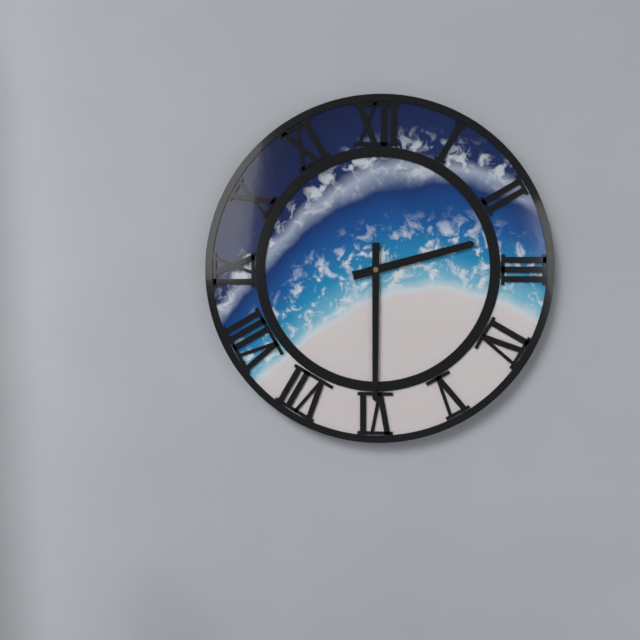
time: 2:30
